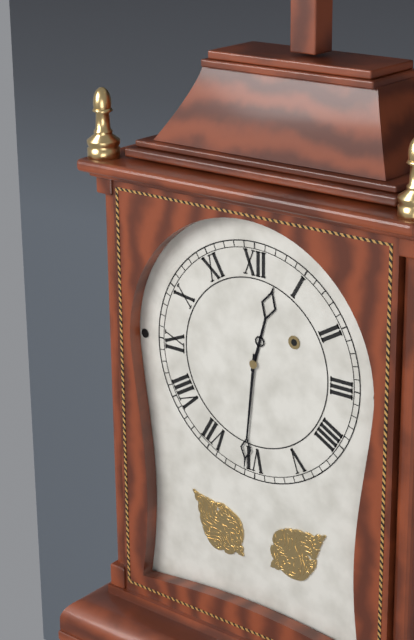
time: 12:31
